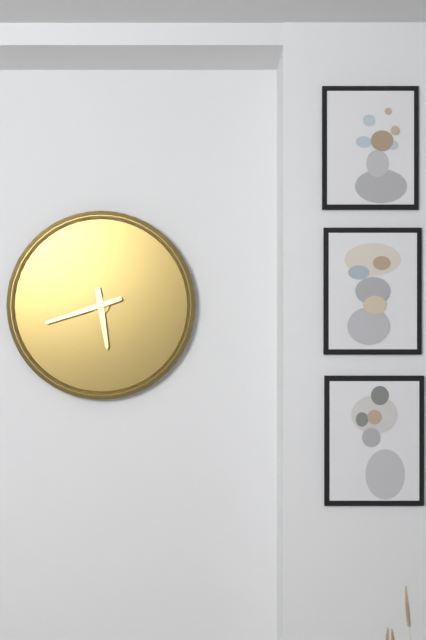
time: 5:42
